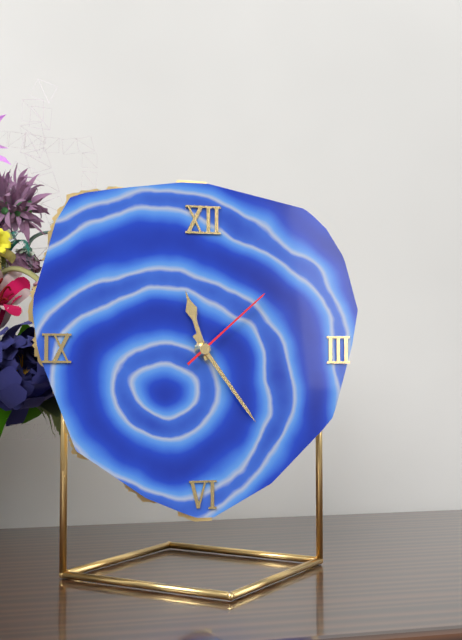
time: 11:24:08
